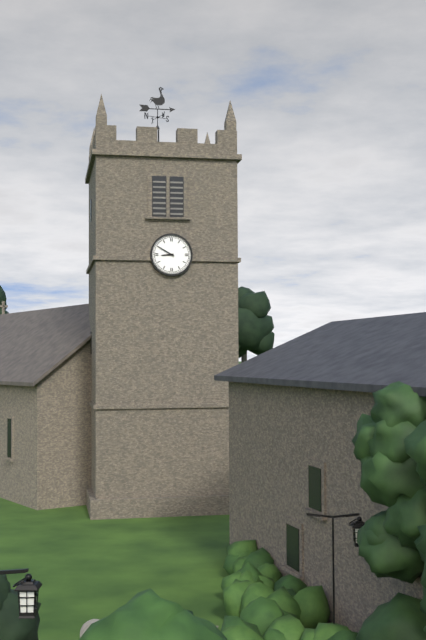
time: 8:50
